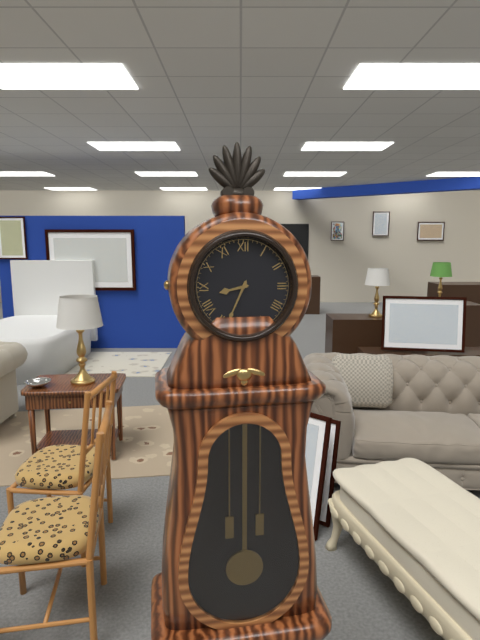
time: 8:34
